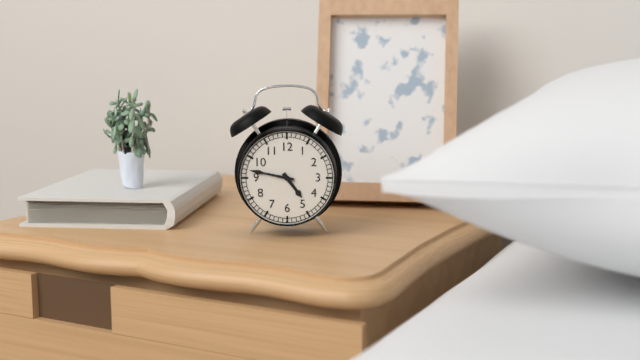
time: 4:47
